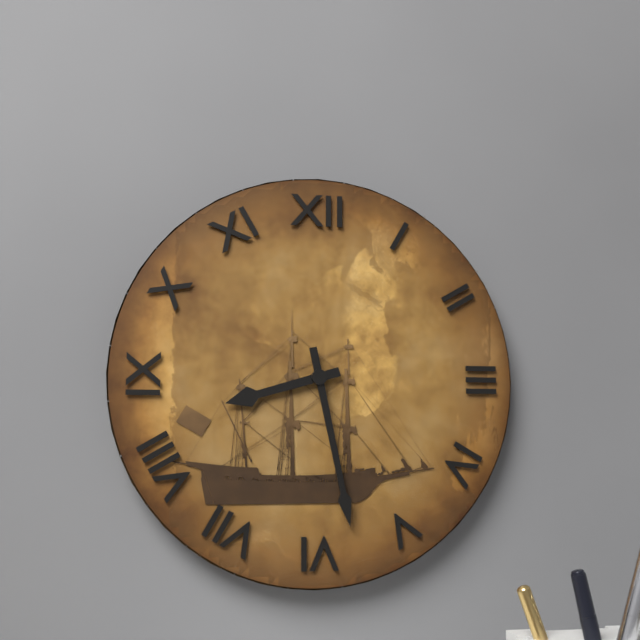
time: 8:28
